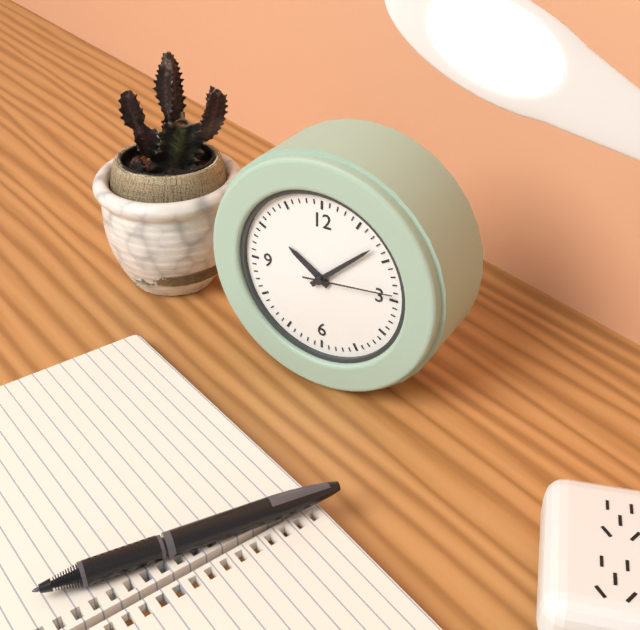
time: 10:08:14
